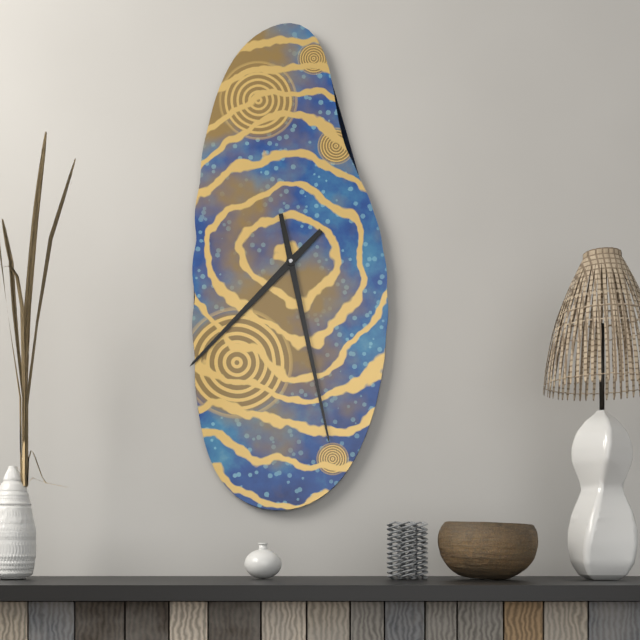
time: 7:28
